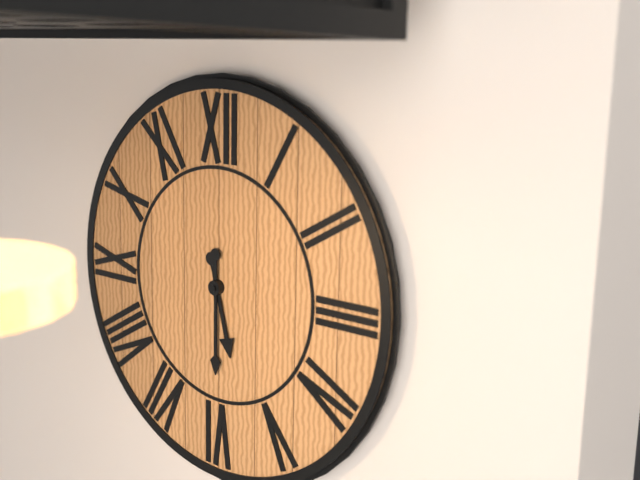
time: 5:30
